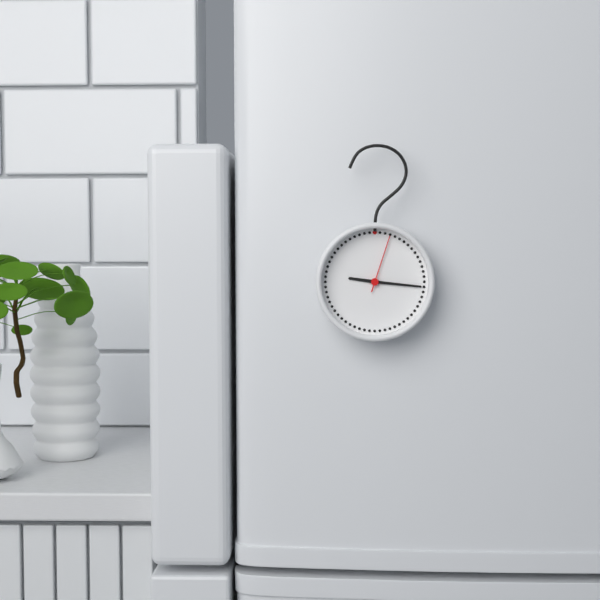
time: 9:16:03
